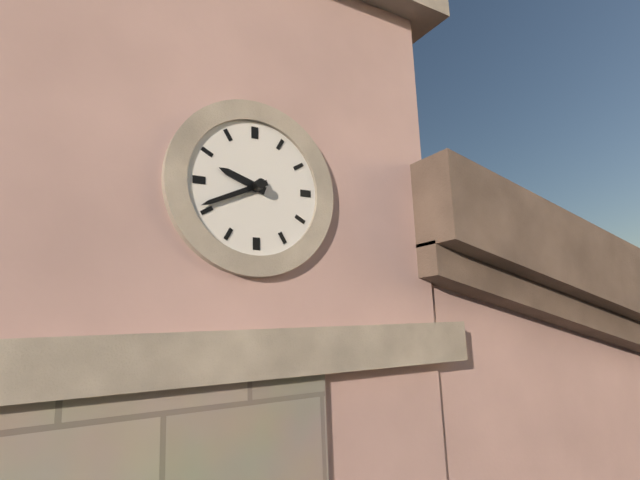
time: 9:41
